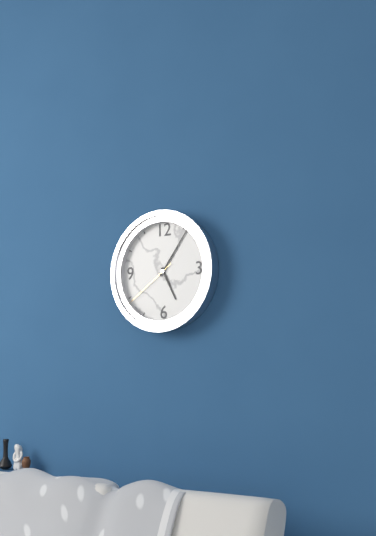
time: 5:06:39
